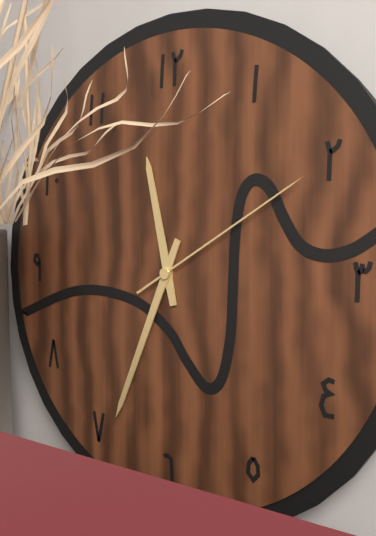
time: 11:34:10
